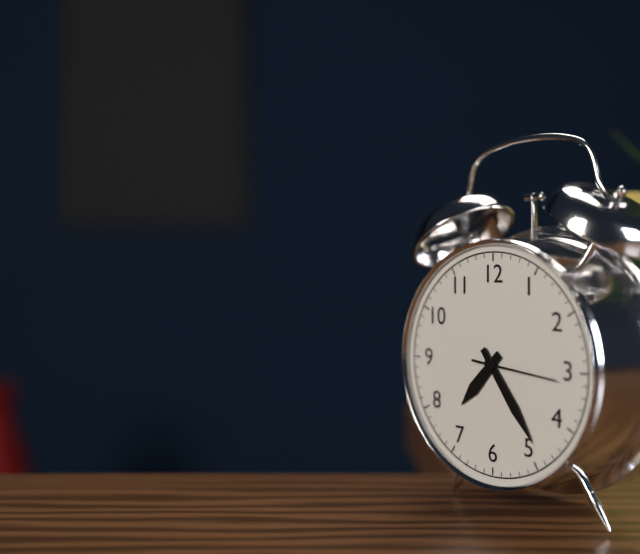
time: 7:24:16
